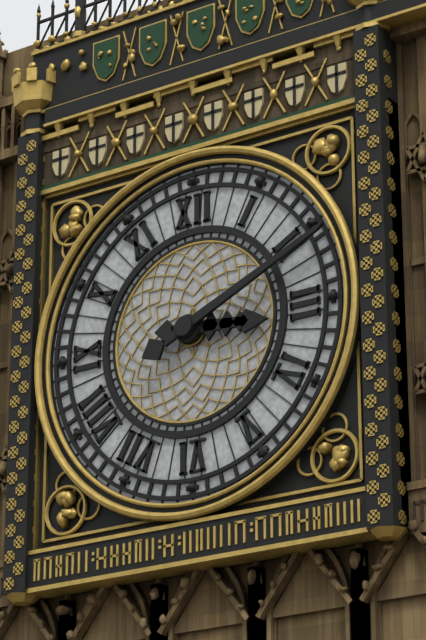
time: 3:11
